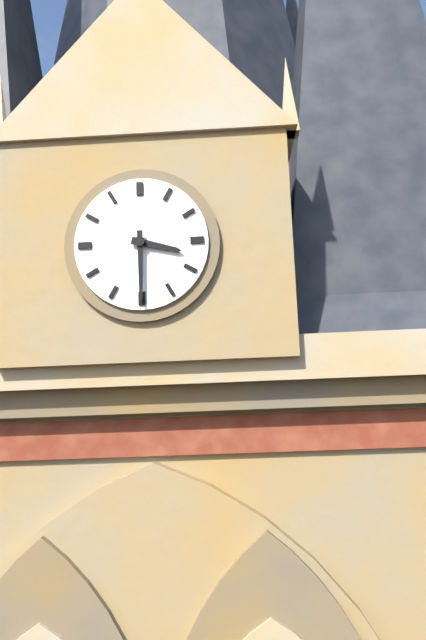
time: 3:30
